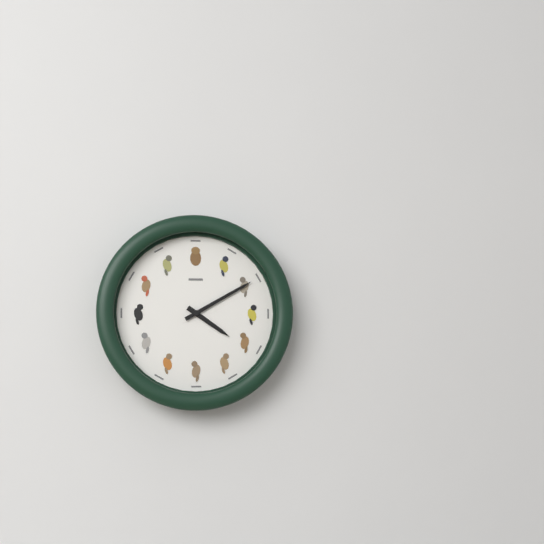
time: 4:10
